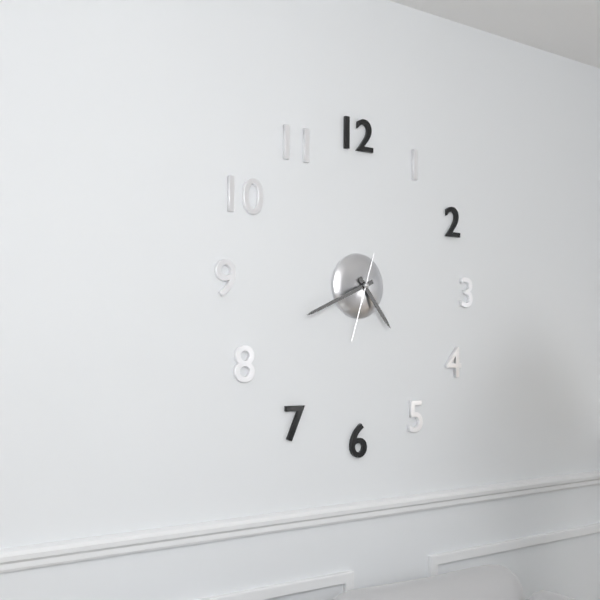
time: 4:41:33
